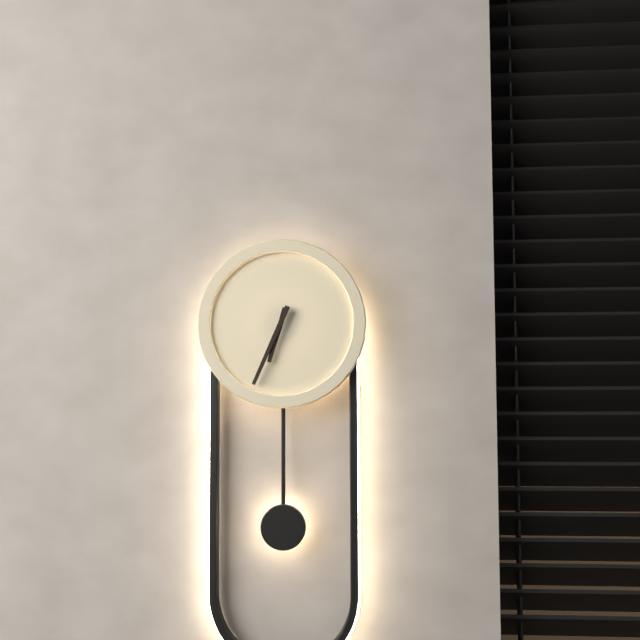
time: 6:34
